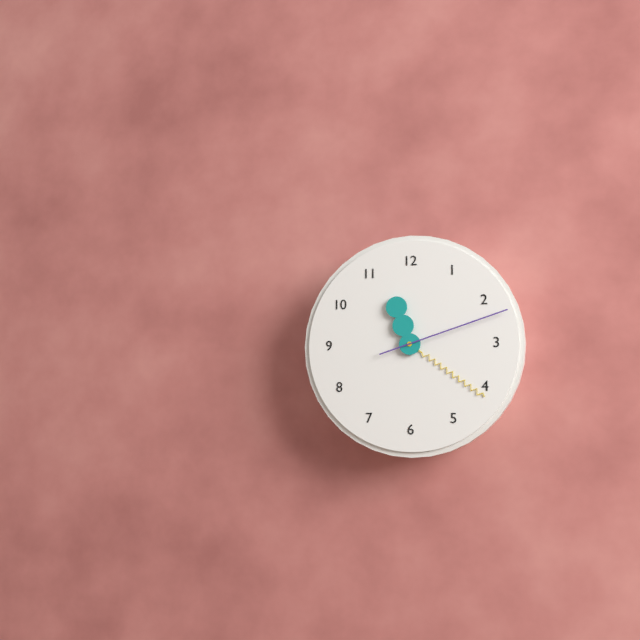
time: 11:21:12
